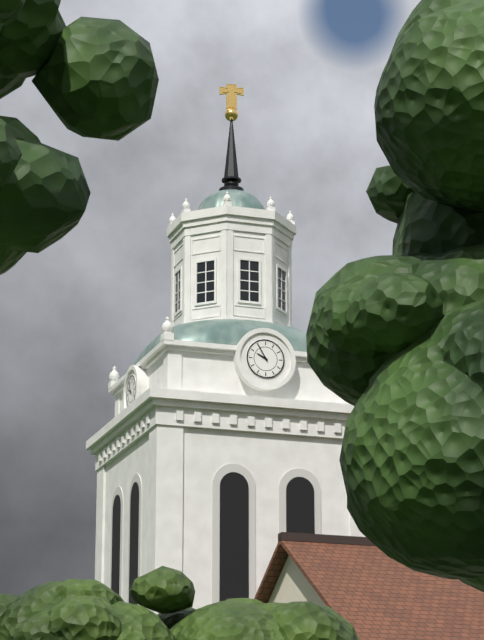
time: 9:55
